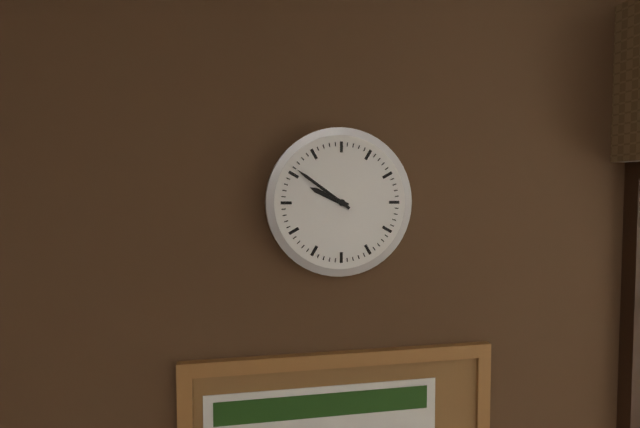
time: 9:51
